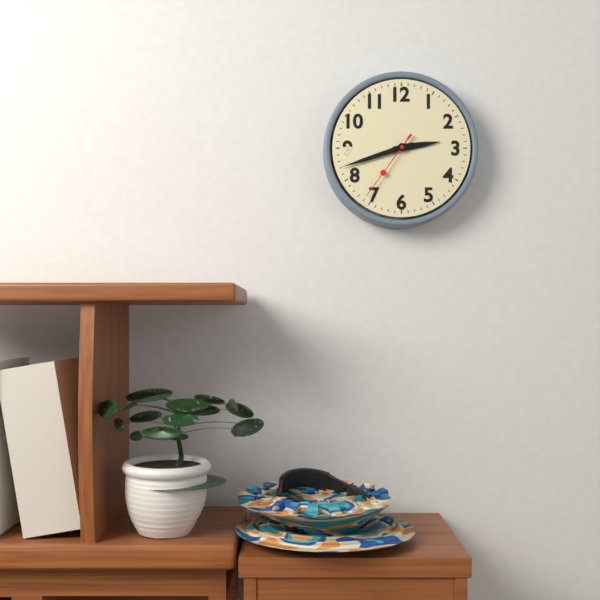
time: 2:42:36
